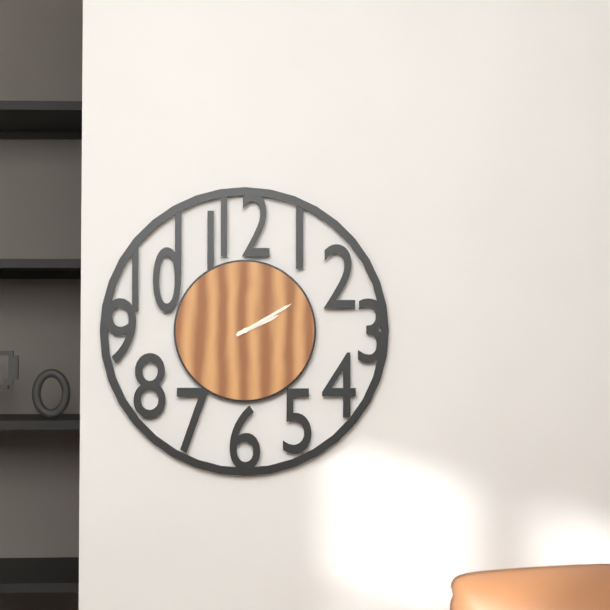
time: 2:10
